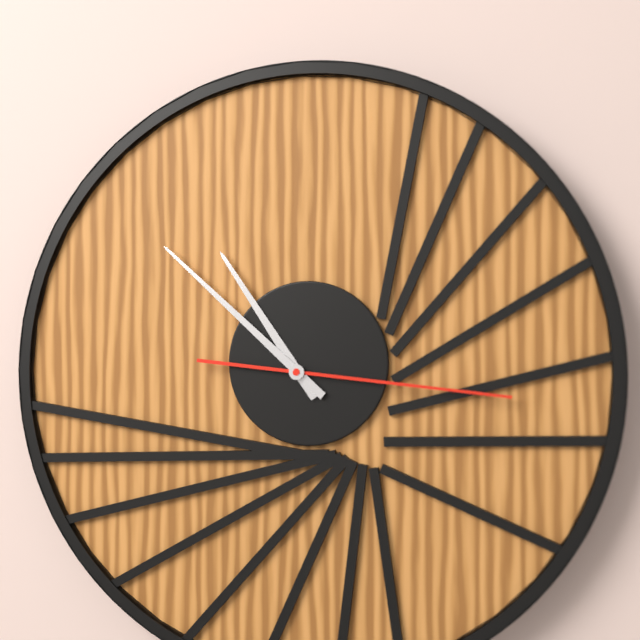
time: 10:52:16
